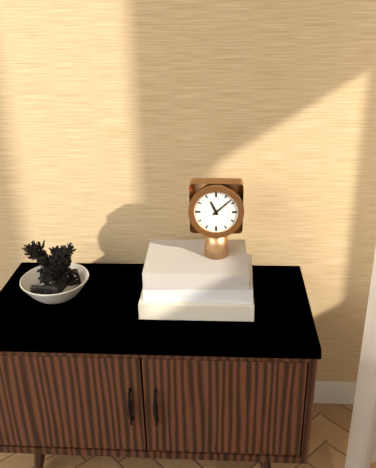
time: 11:08
